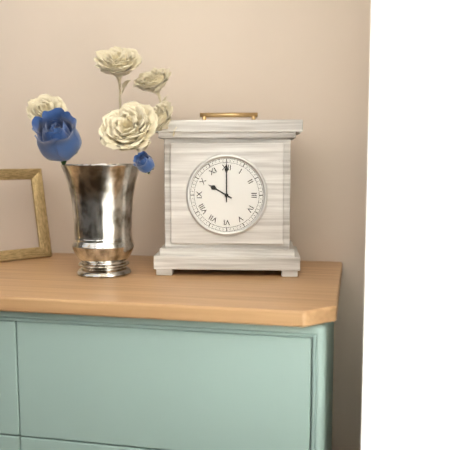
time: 10:00
